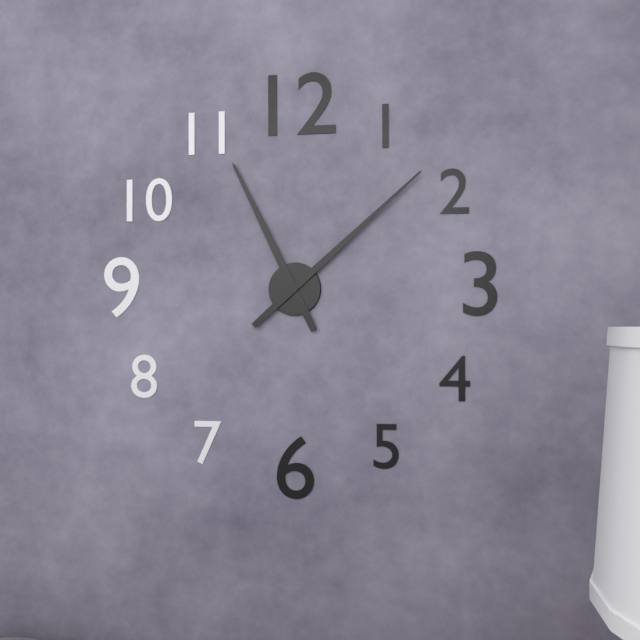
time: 11:08
